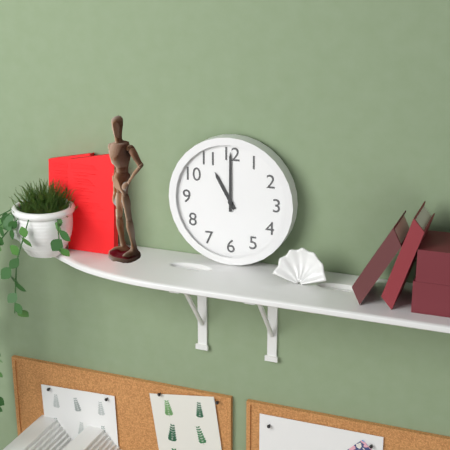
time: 11:00
